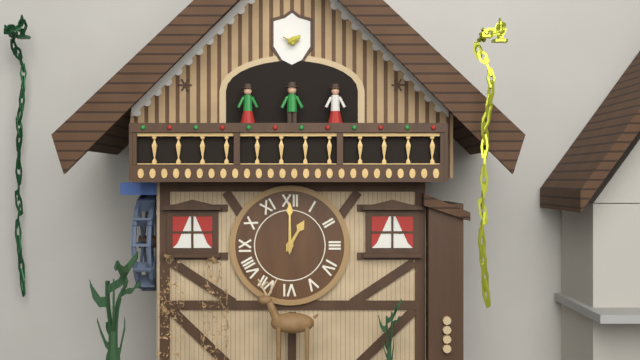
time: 1:00
